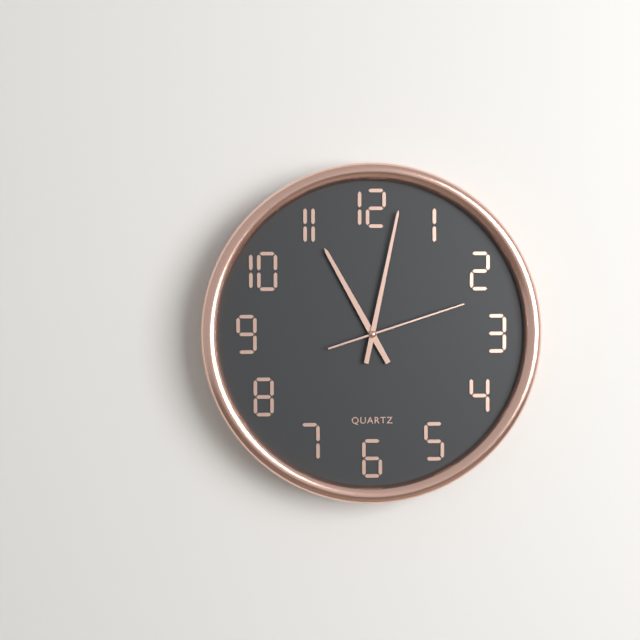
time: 11:02:12
